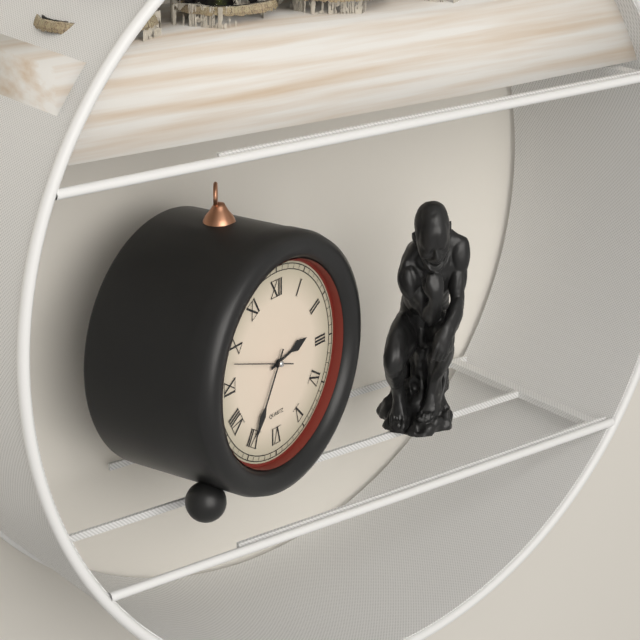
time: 2:35:48
